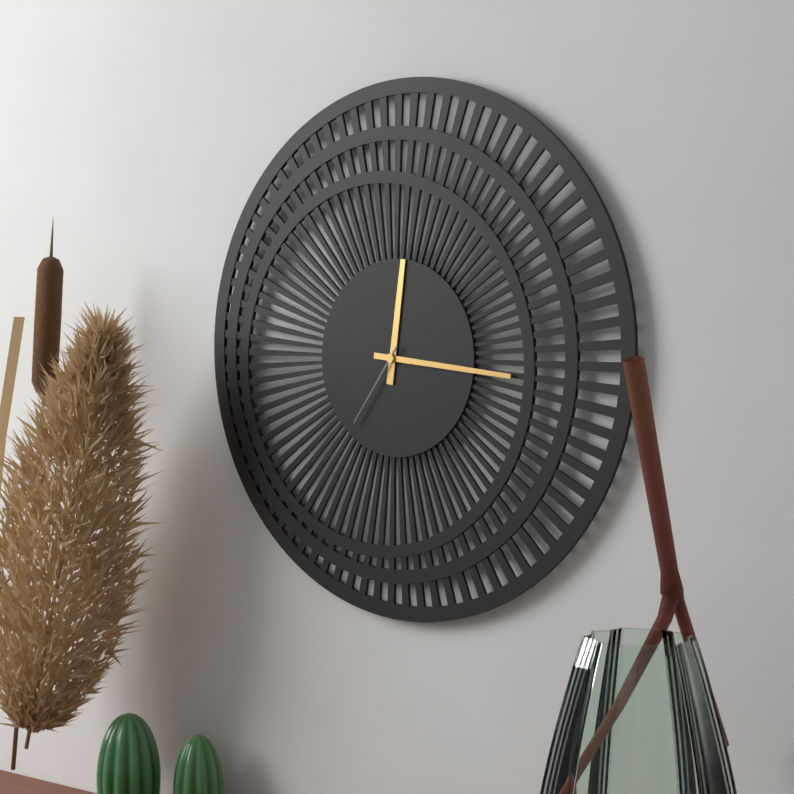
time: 12:16:36
